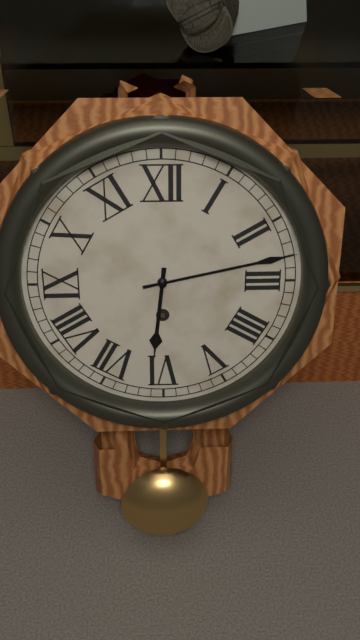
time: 6:13
